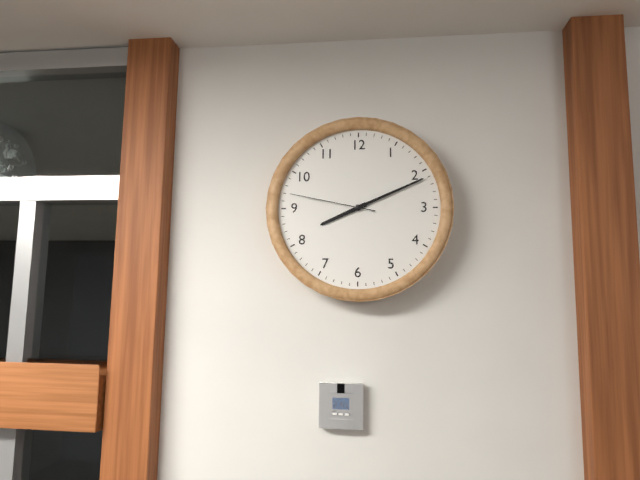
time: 8:11:47
